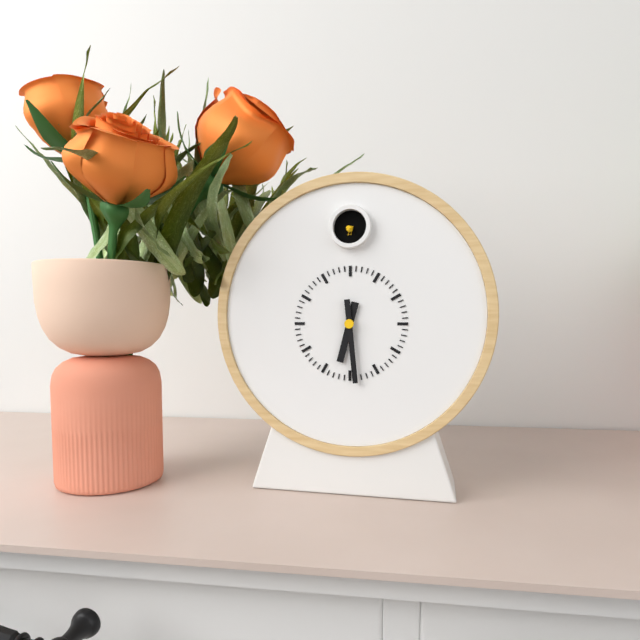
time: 6:29
